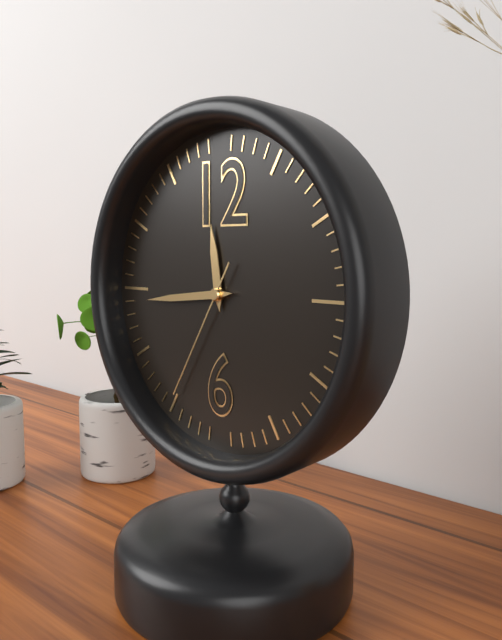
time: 11:44:35
